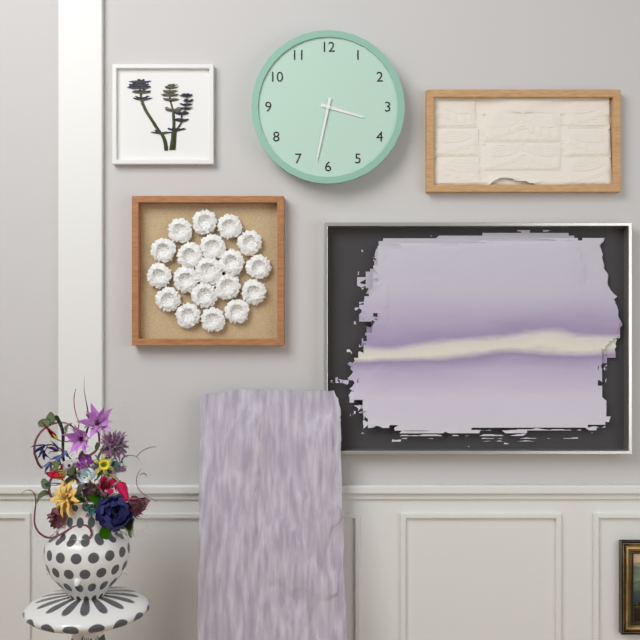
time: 3:32
